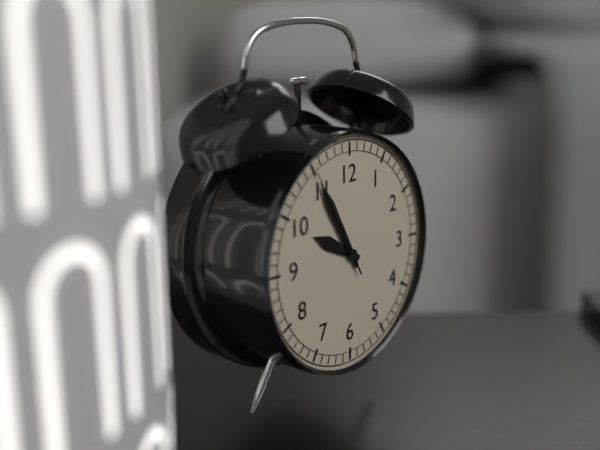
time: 9:55:55
